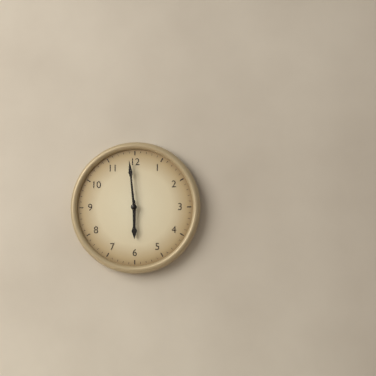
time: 5:59
